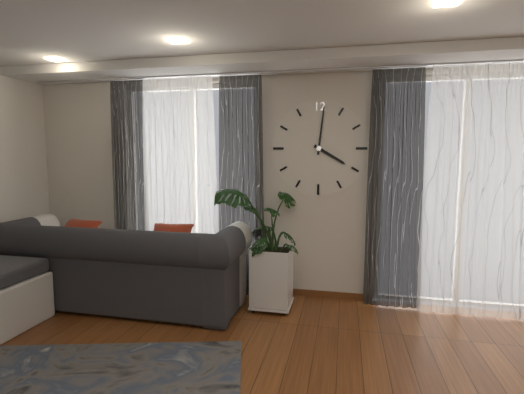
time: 4:01
